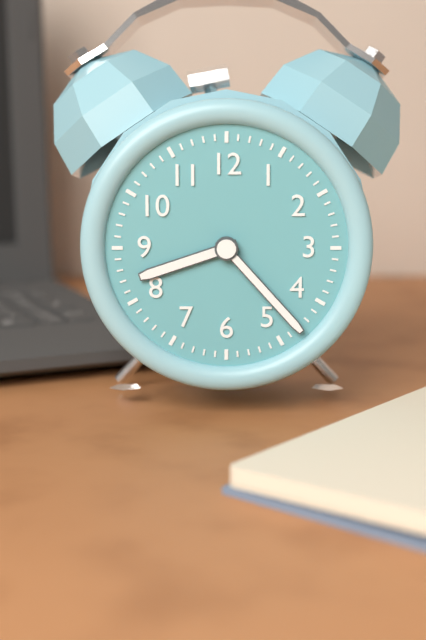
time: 8:23
